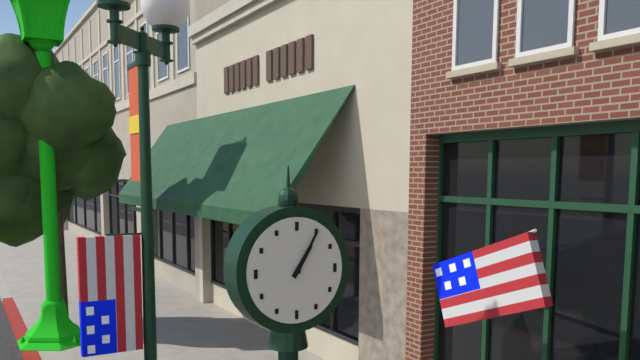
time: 1:05
